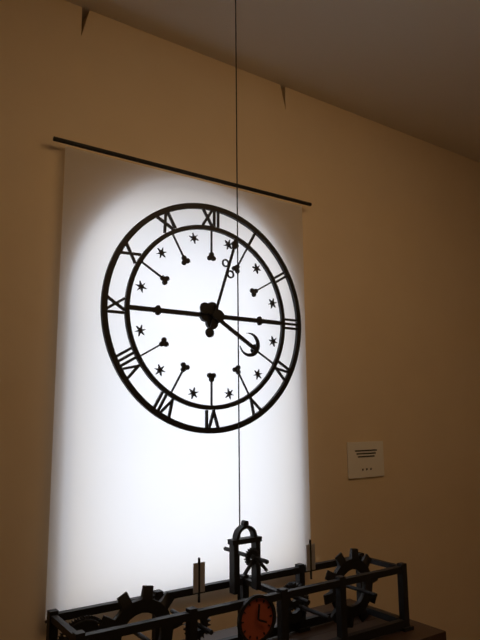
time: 4:03
